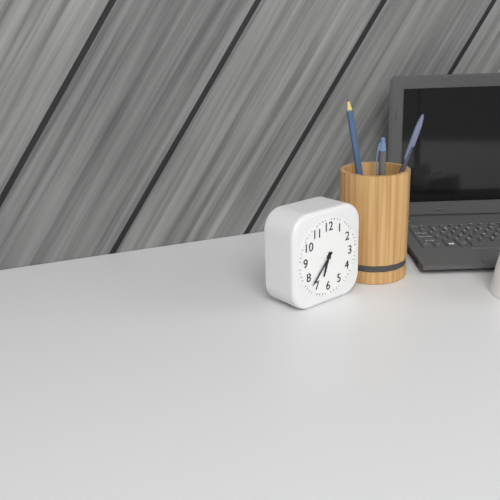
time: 6:37
